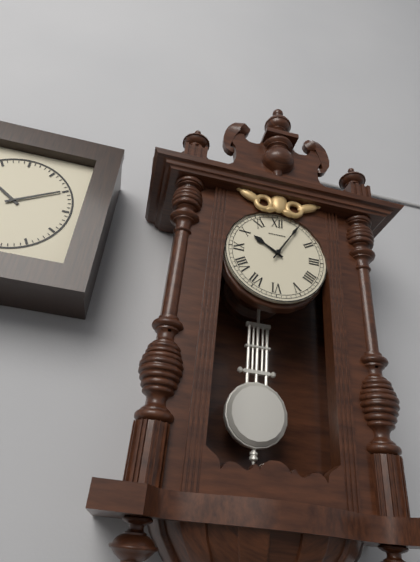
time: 10:05
